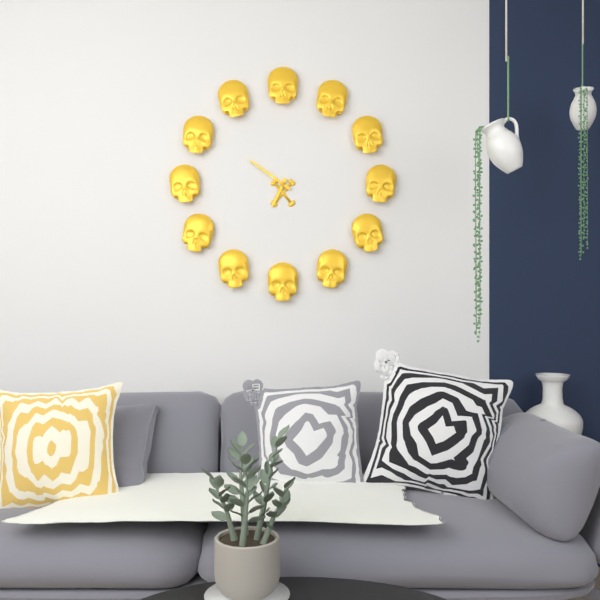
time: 6:51
